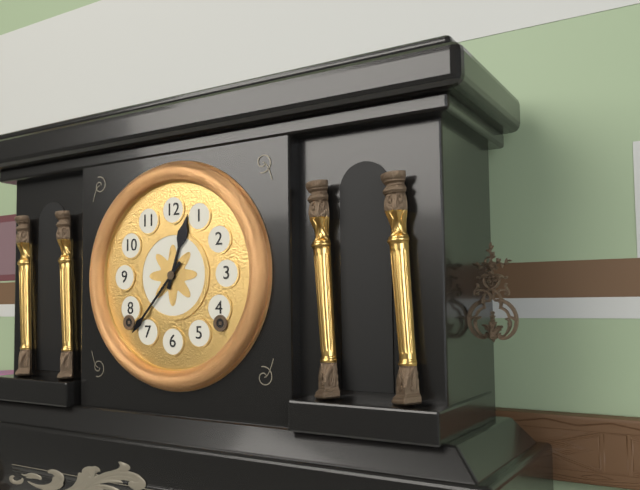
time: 12:37
